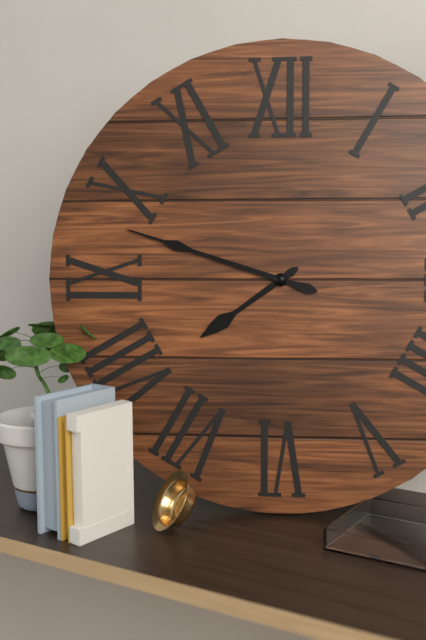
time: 7:48
